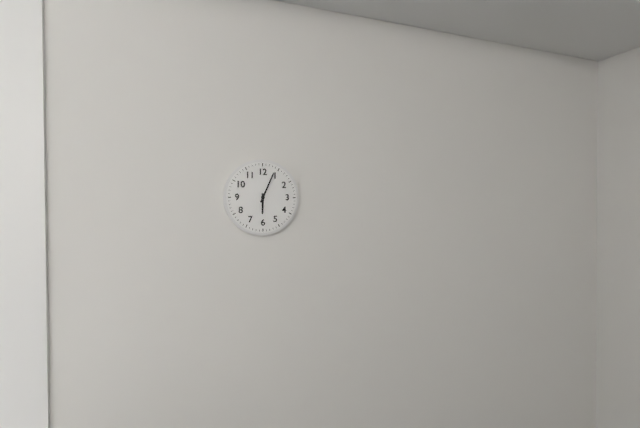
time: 6:04
